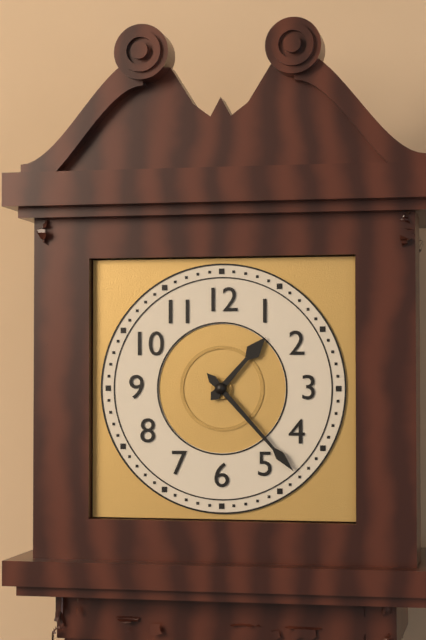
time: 1:23
